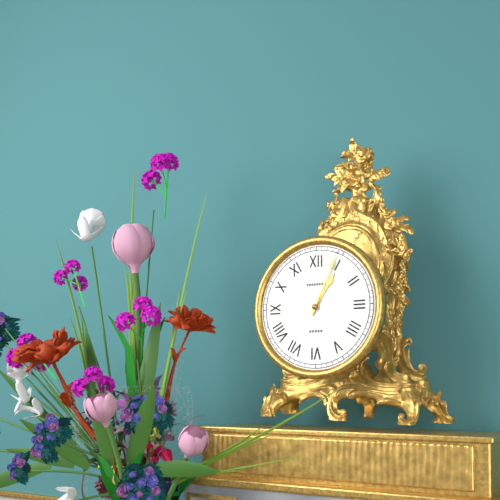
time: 1:04
